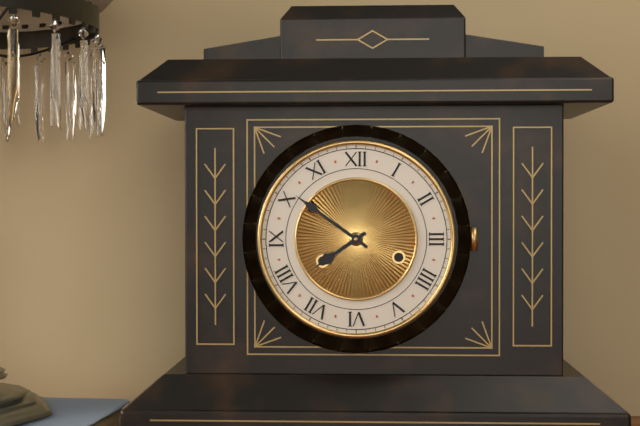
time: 7:51
